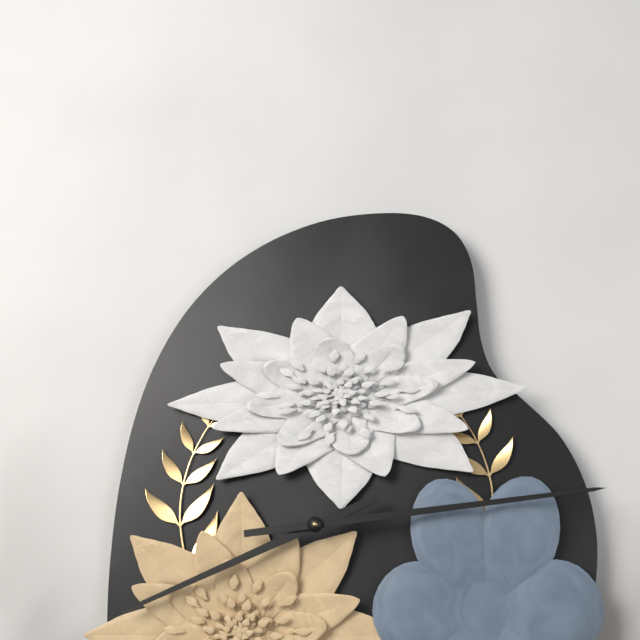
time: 8:14
